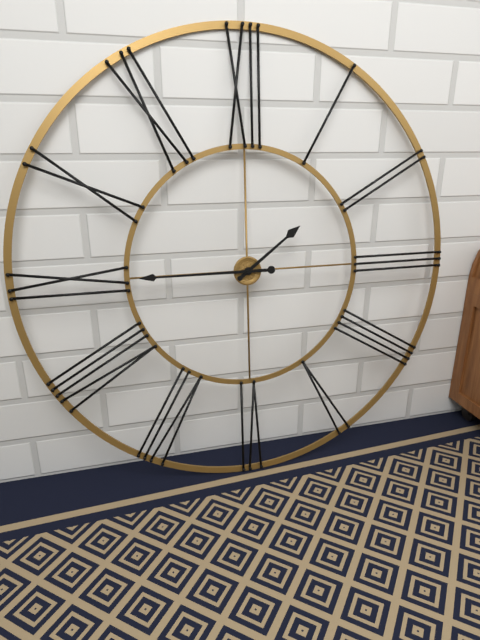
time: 1:45
